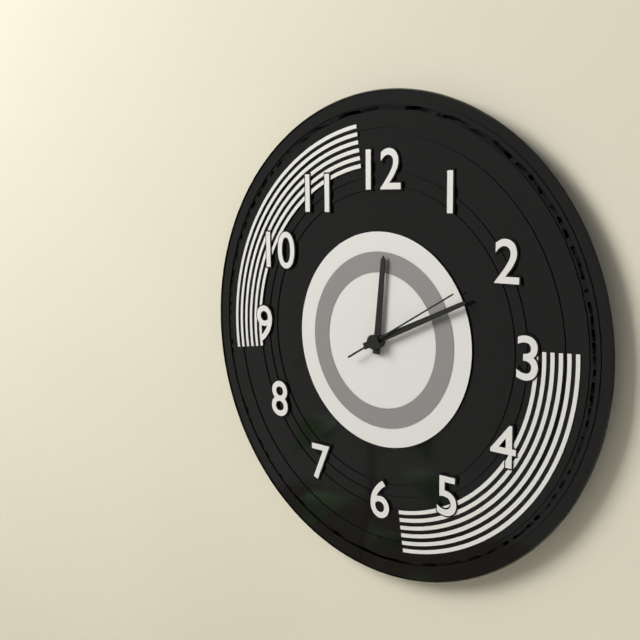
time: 12:11:10
